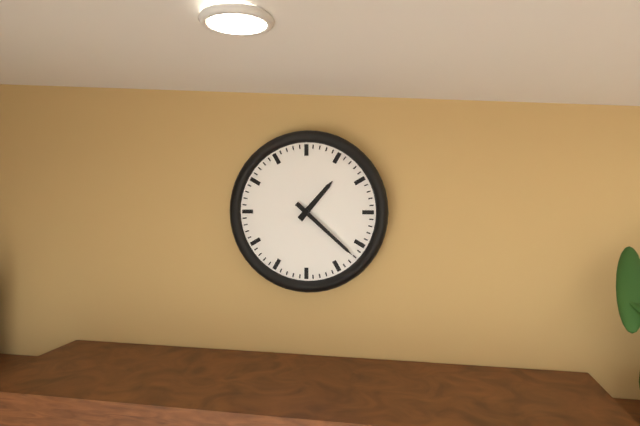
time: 1:22
